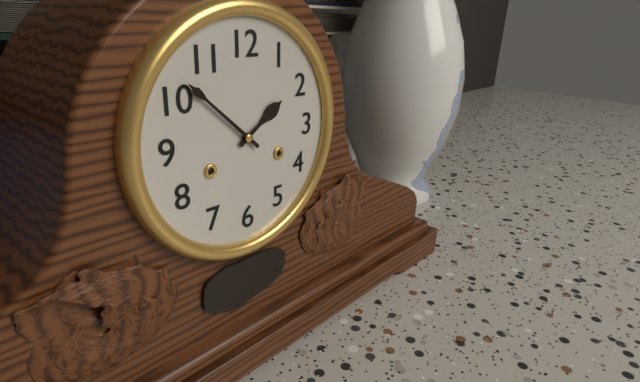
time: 1:52
